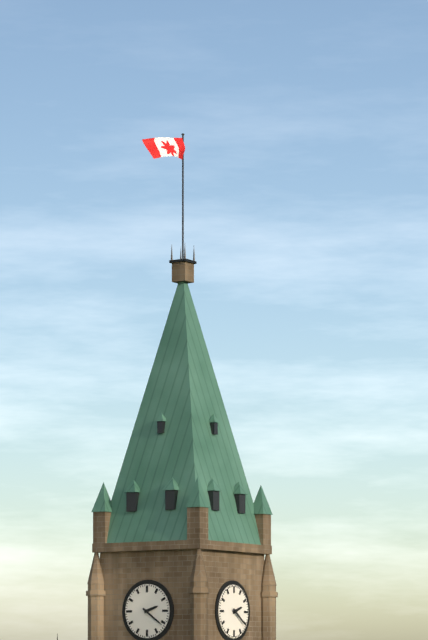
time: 2:21
